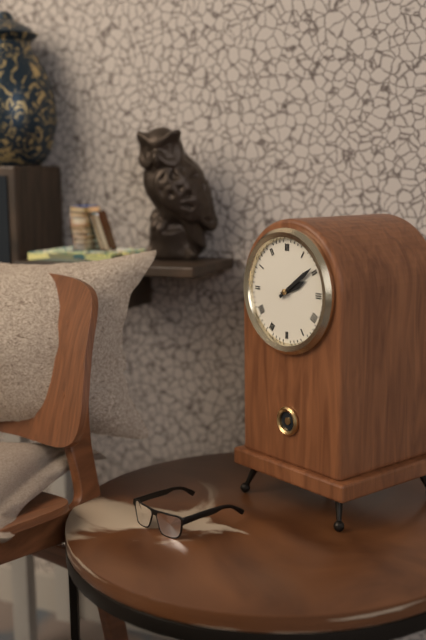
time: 2:09
